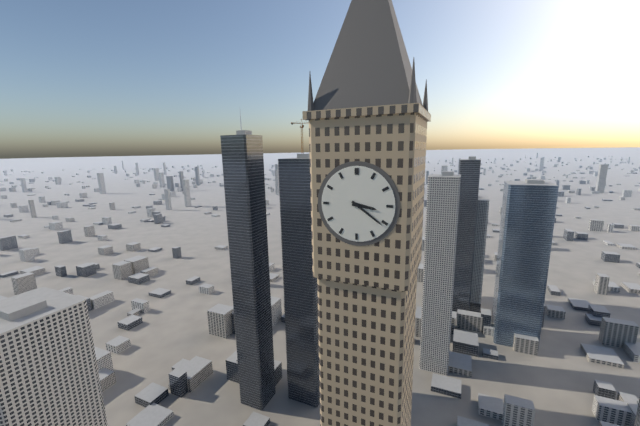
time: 3:21
